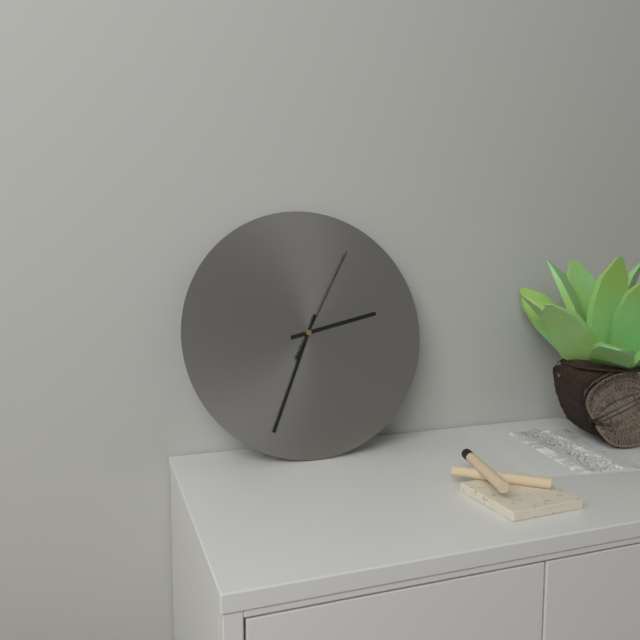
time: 2:34:05
